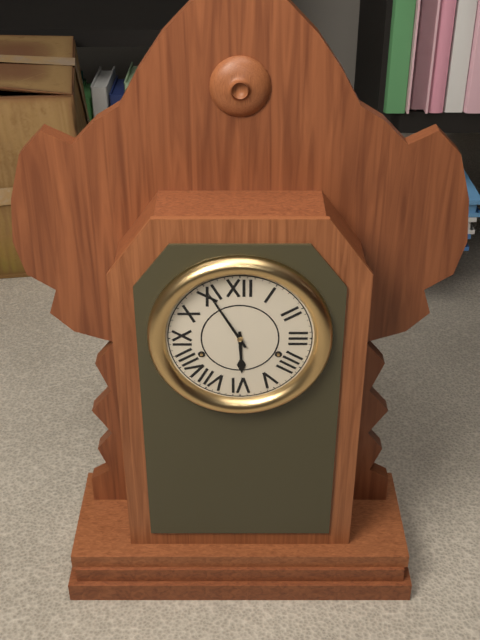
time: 5:55
